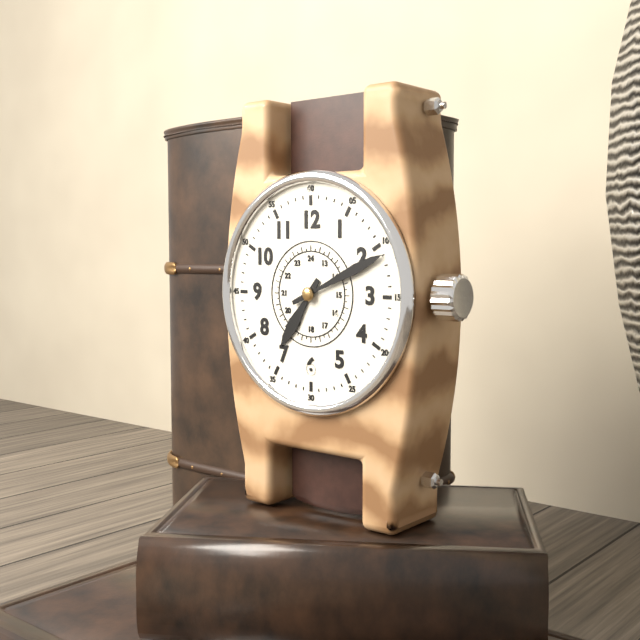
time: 7:11
